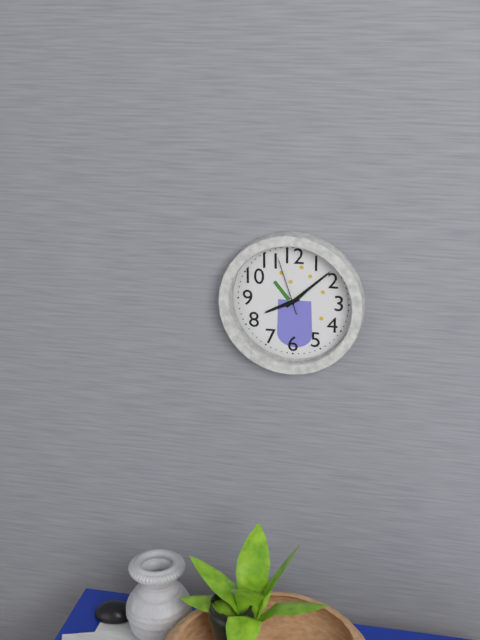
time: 8:08:57
